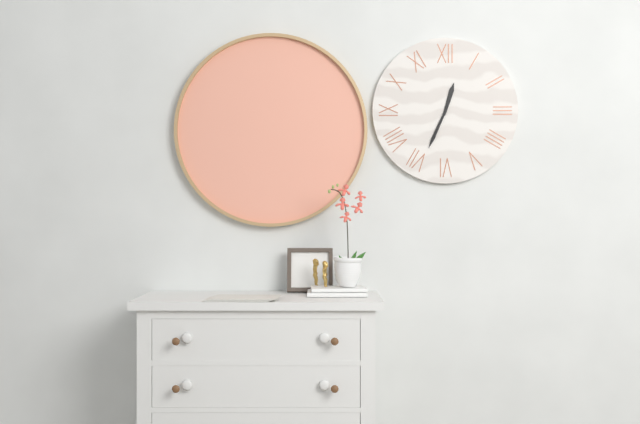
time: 12:34
